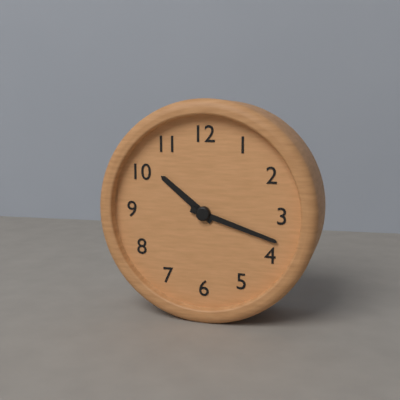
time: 10:18
